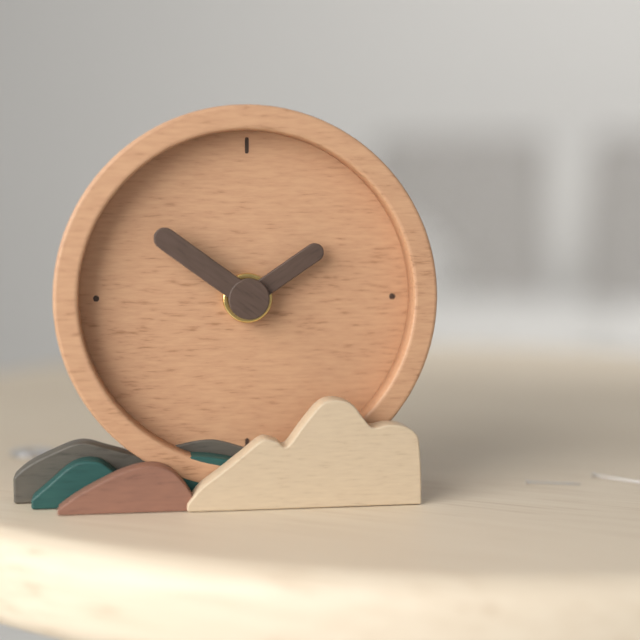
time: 1:51
